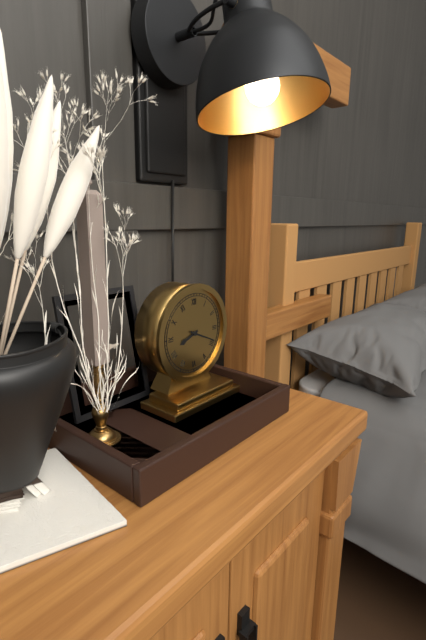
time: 8:19
